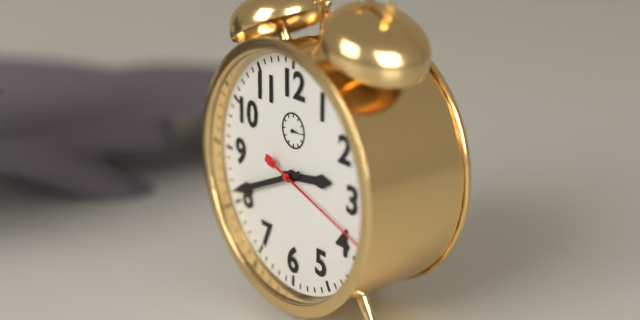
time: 2:41:18
